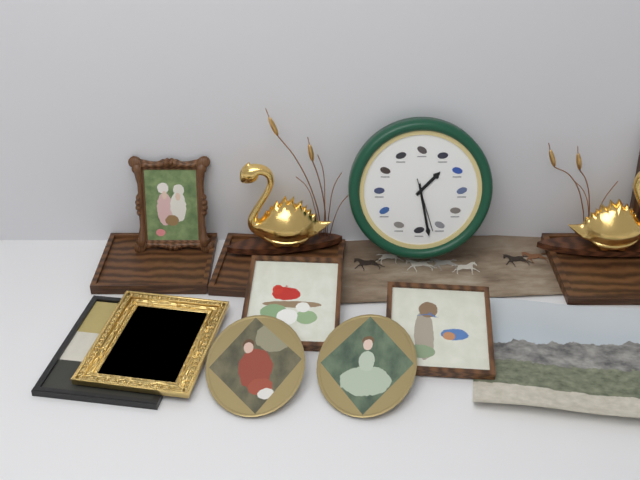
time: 1:28:27
